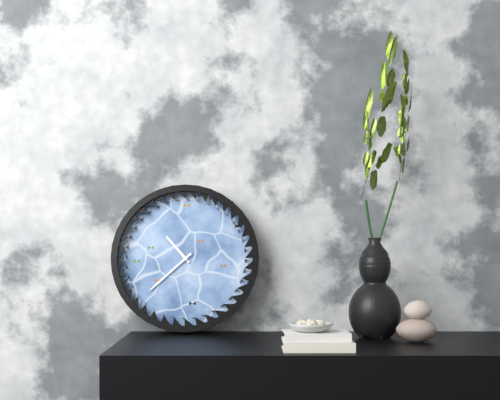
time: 10:38
